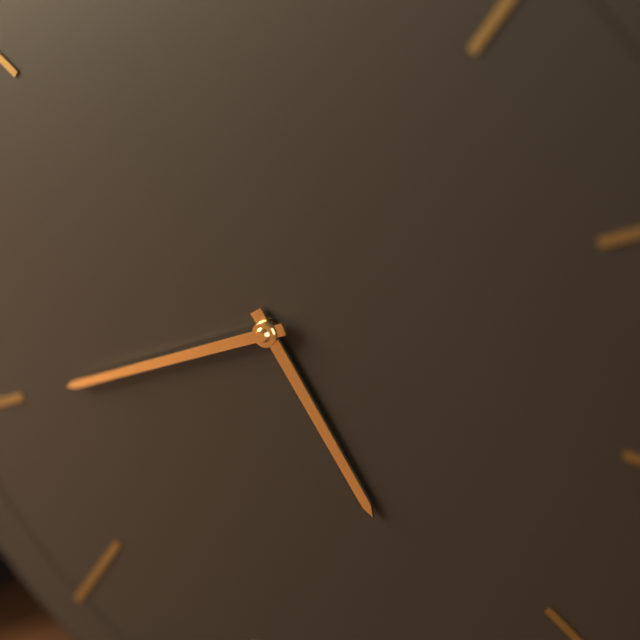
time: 4:40
